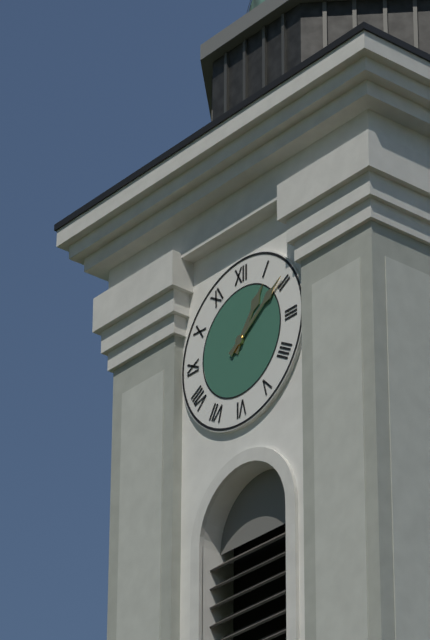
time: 1:09
